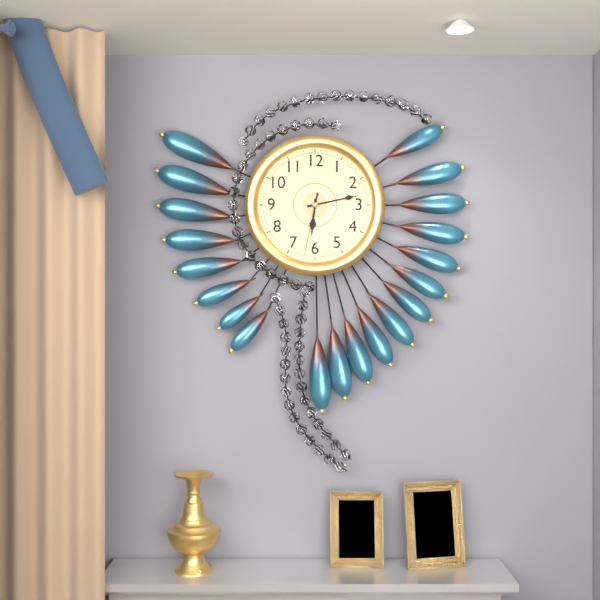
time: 6:13:32
